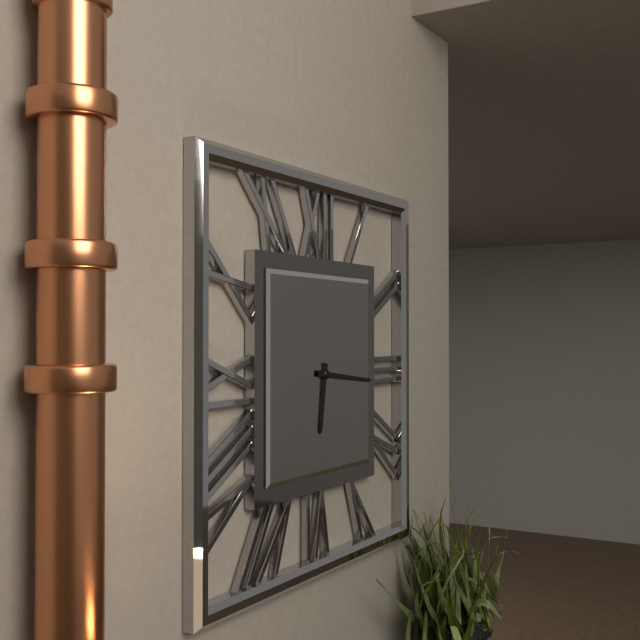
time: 6:16
